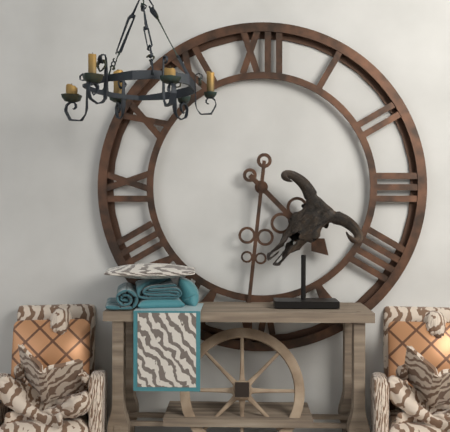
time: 4:31
